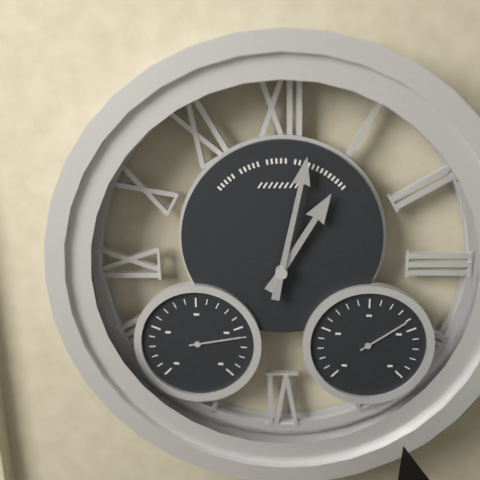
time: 1:02
